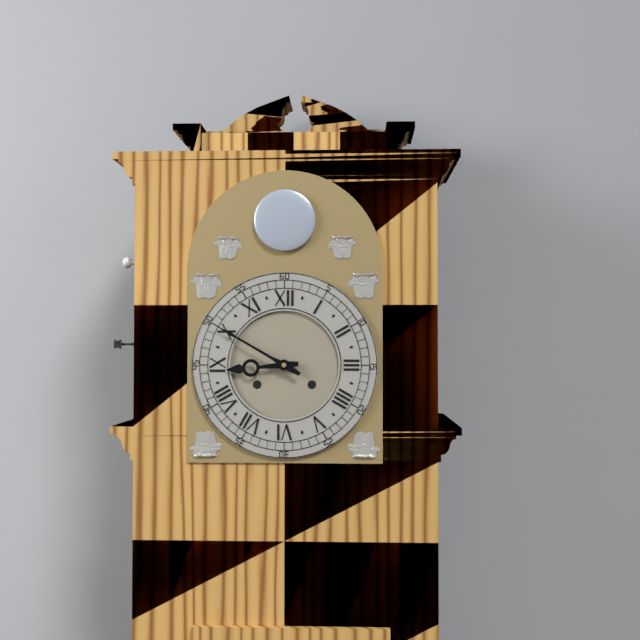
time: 8:50
